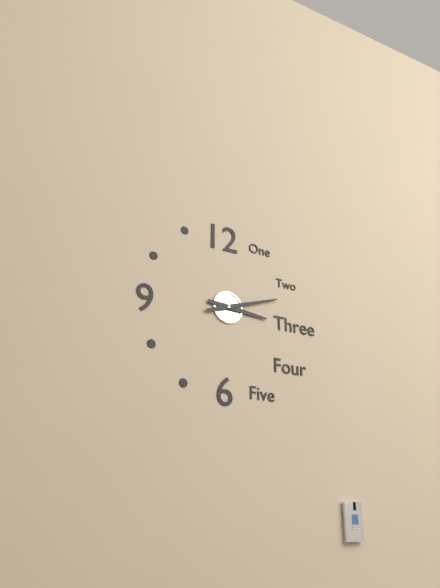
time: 3:12
